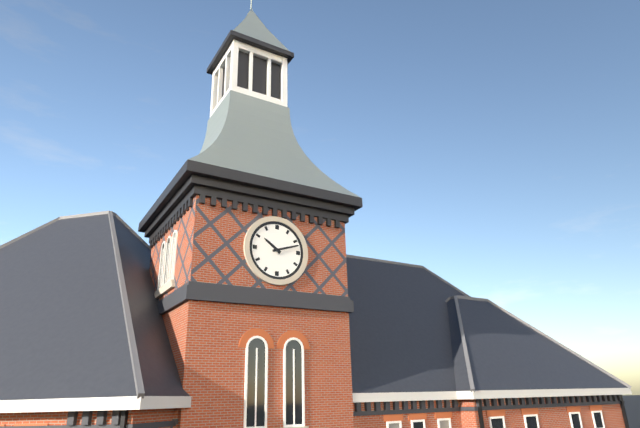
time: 10:12
